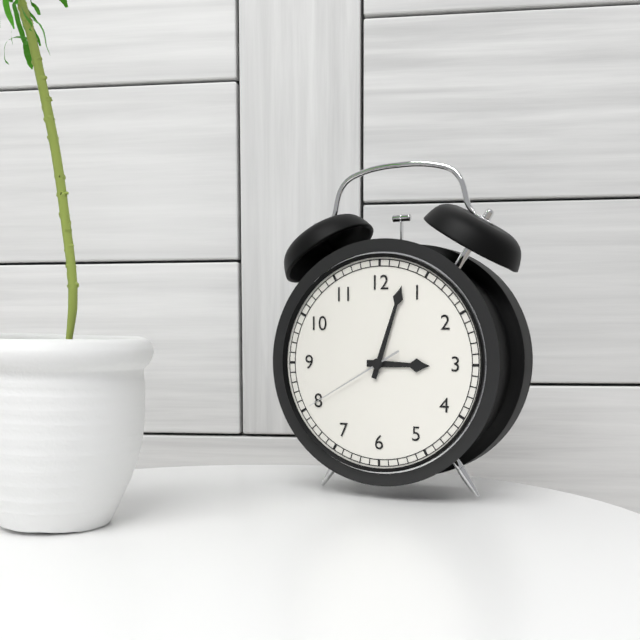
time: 3:03:40
